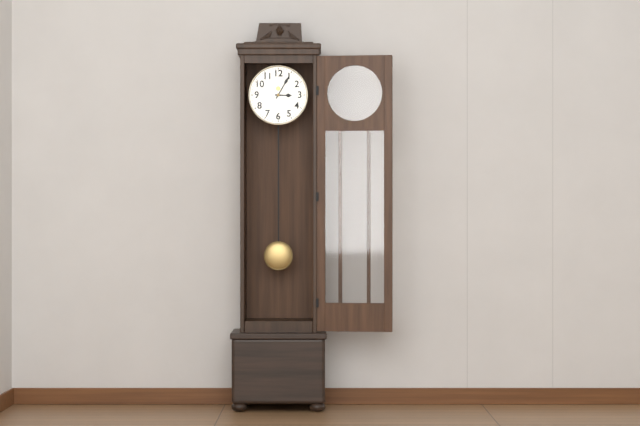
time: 3:05
